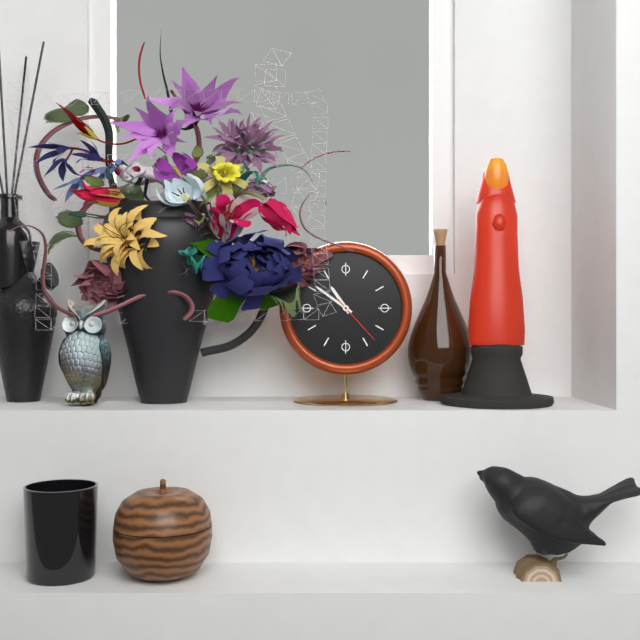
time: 10:51:23
